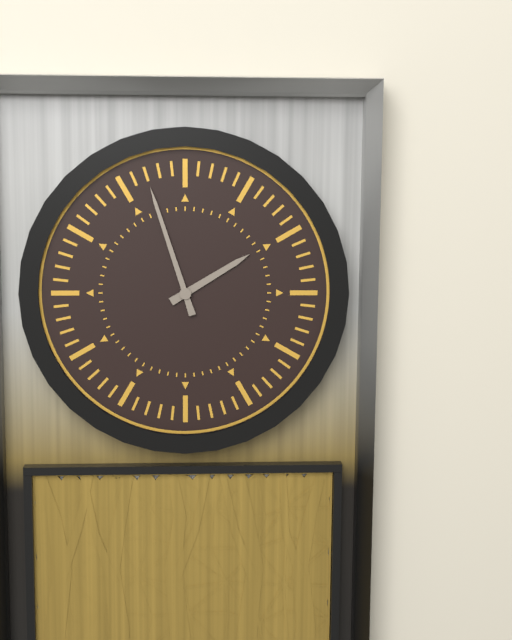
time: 1:57
